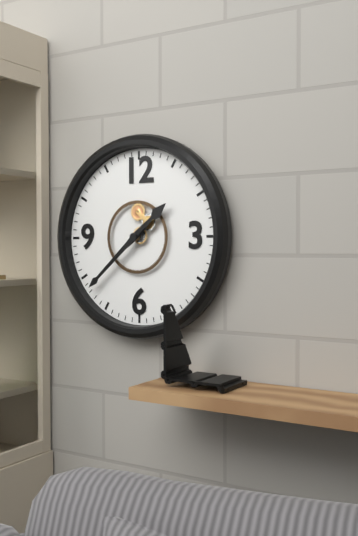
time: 1:38
